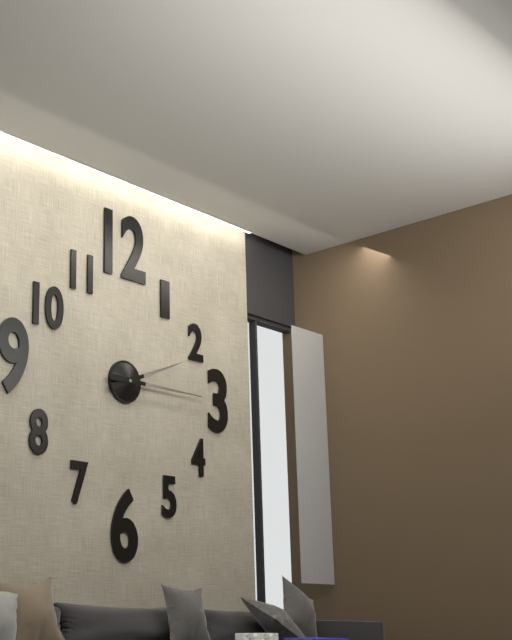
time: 2:15
